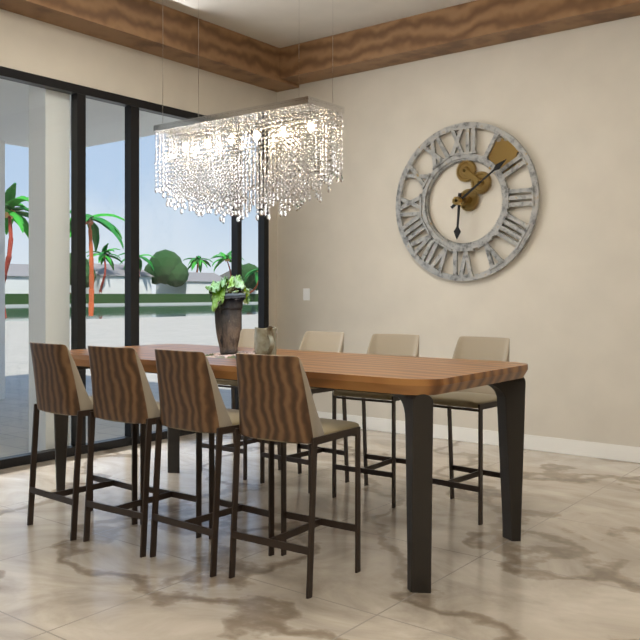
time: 6:09
